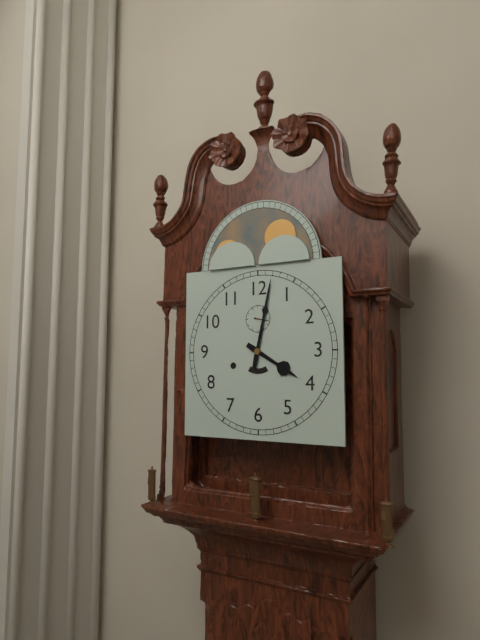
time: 4:02
